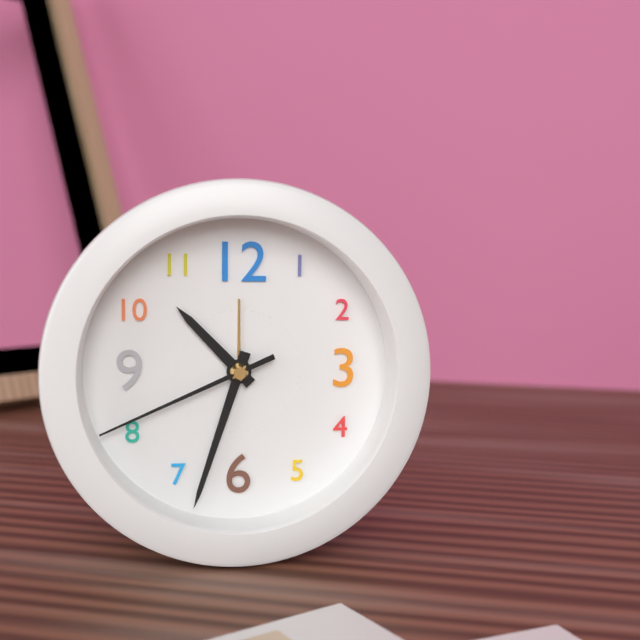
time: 10:33:41
